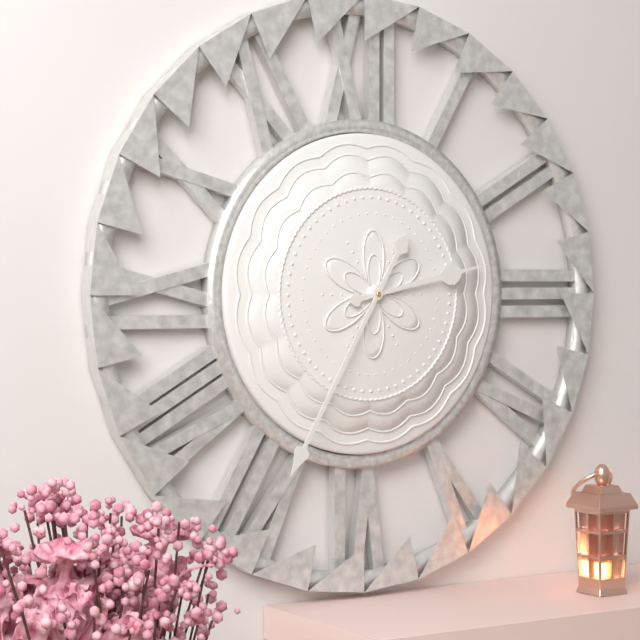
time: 2:35
